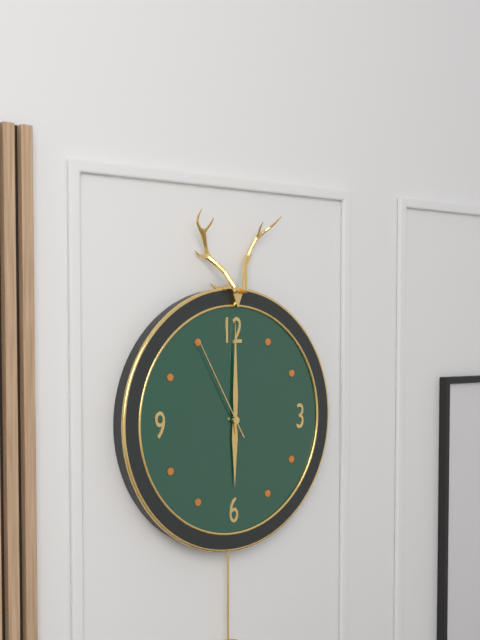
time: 6:00:55
